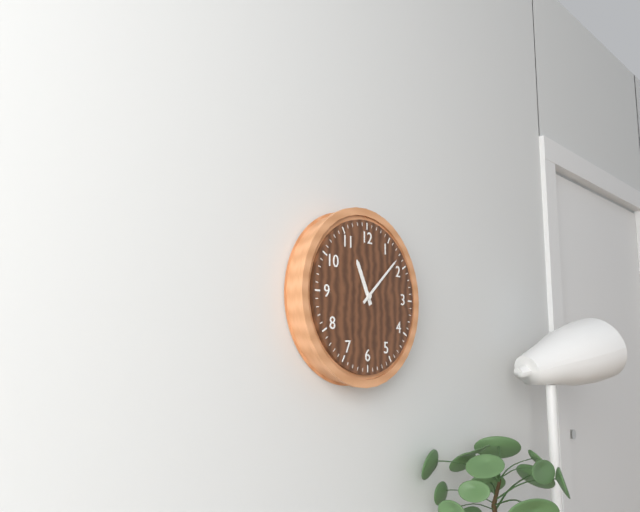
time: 11:08
